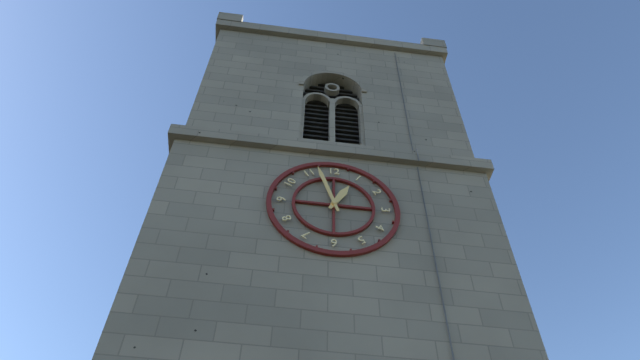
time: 12:57
